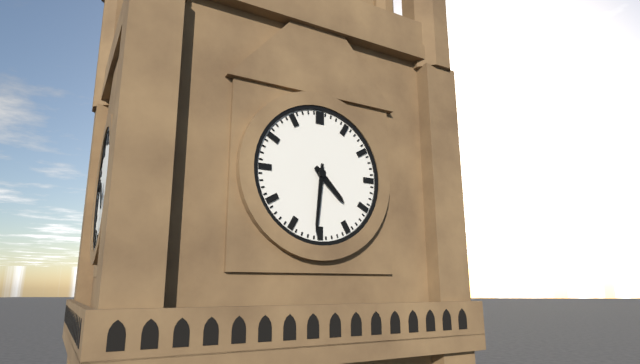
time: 4:31
